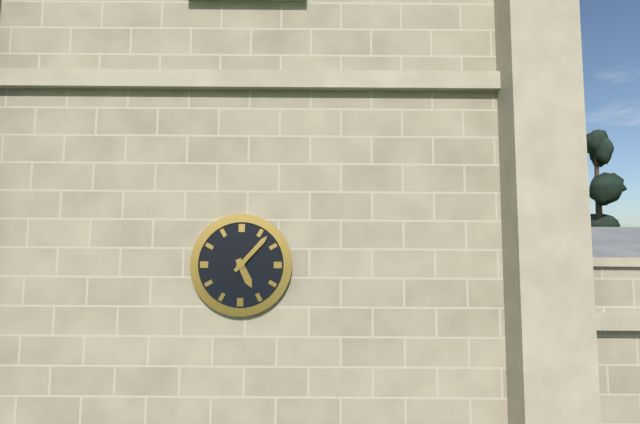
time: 5:07
